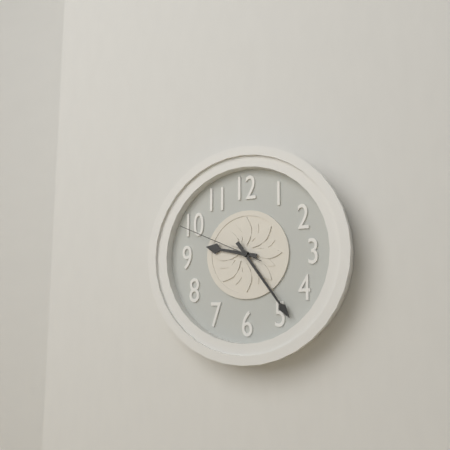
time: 9:24:49
